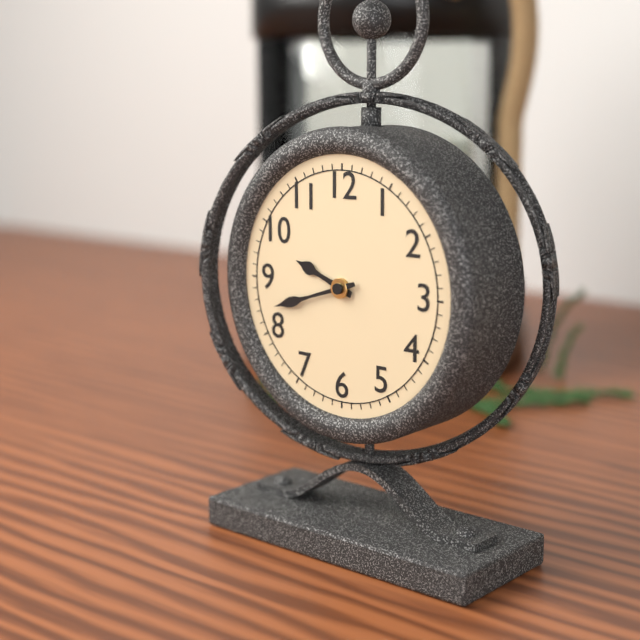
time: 9:42
